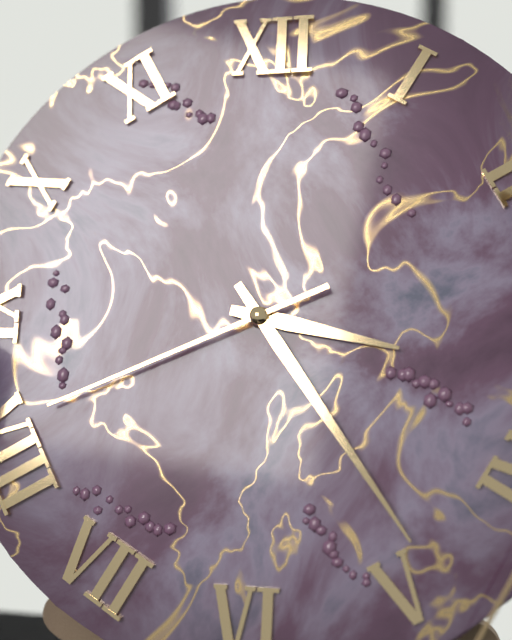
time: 3:24:41
